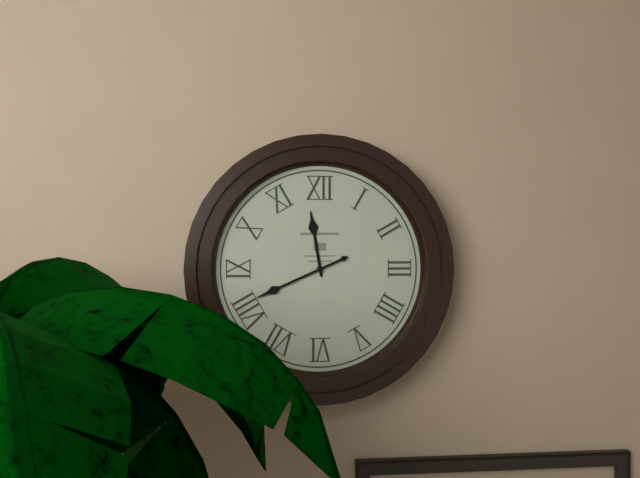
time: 11:41
